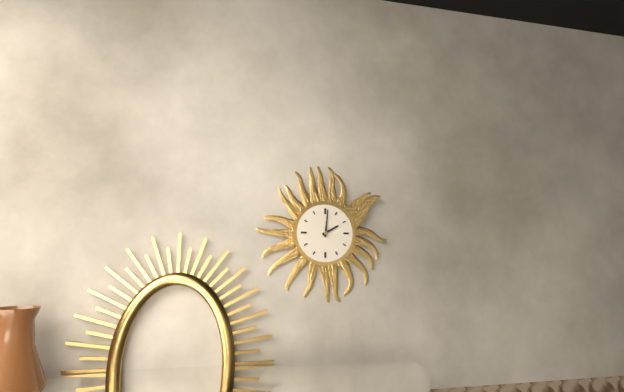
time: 2:01
